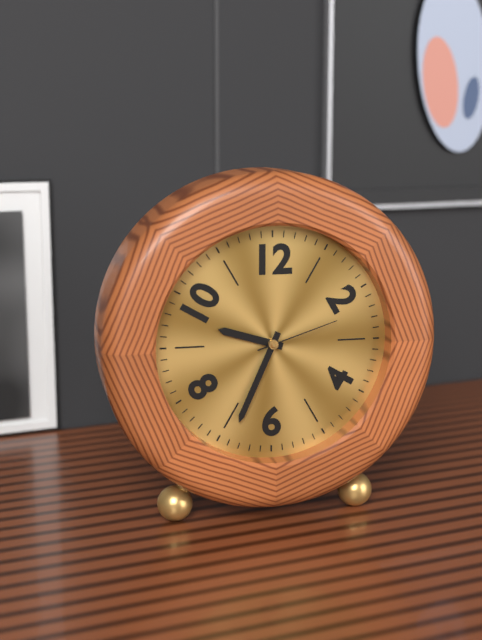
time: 9:34:12
